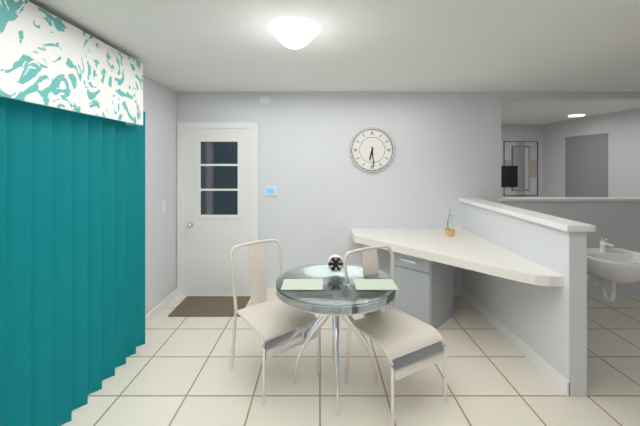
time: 6:29
